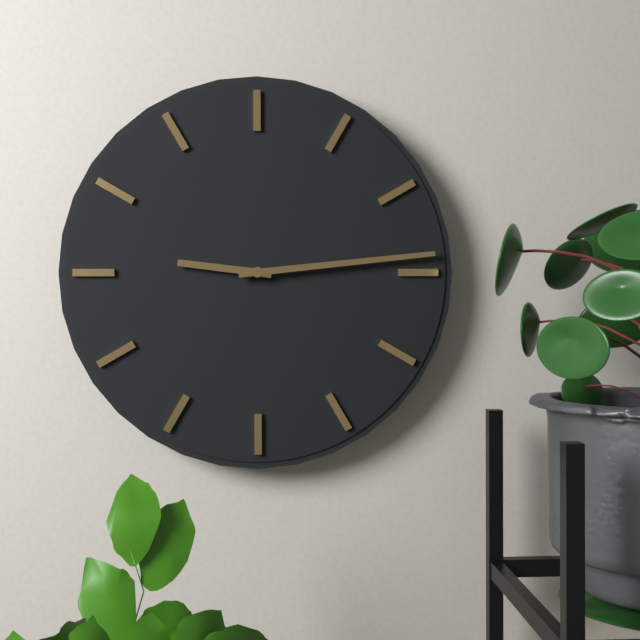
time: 9:14
